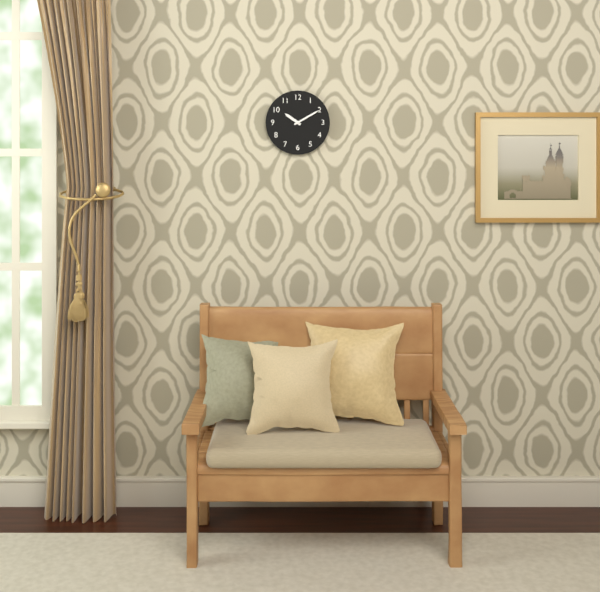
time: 10:10
